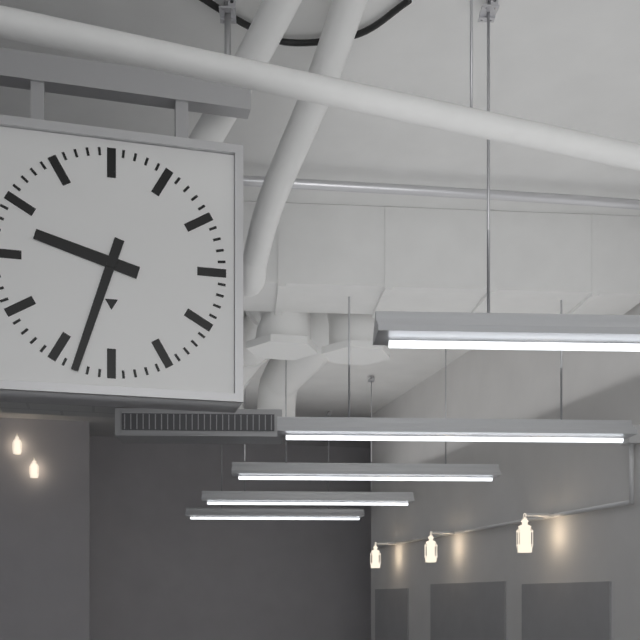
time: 9:33
